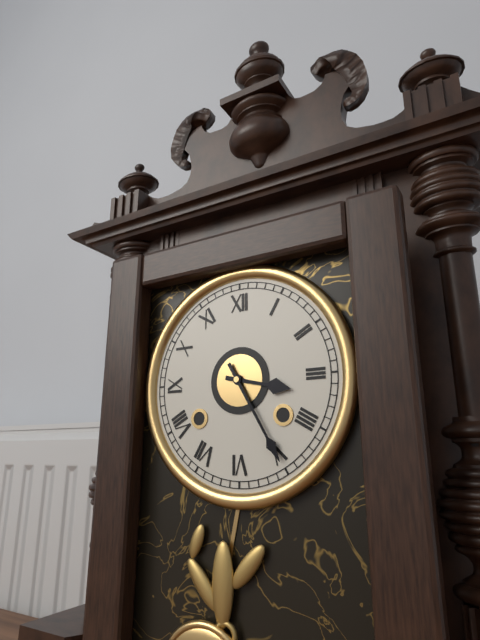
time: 3:25
